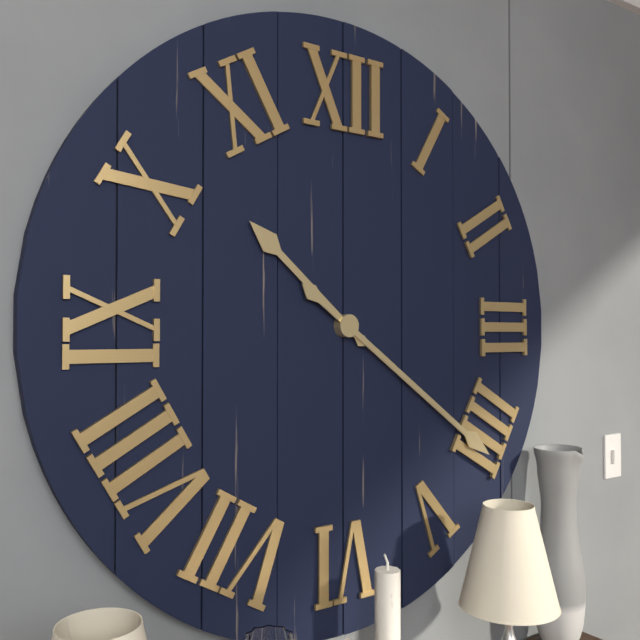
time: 10:21
